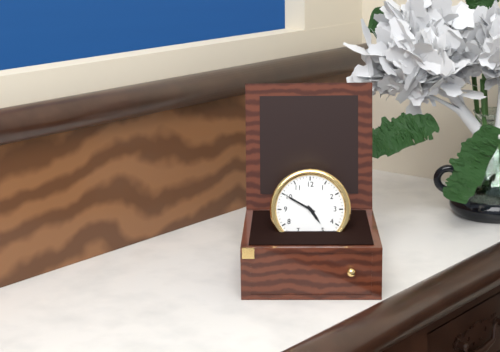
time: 4:50
